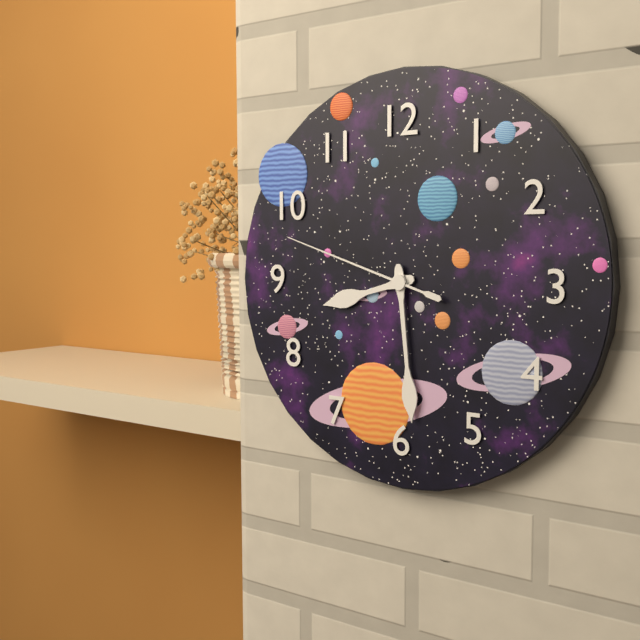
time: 8:29:48
